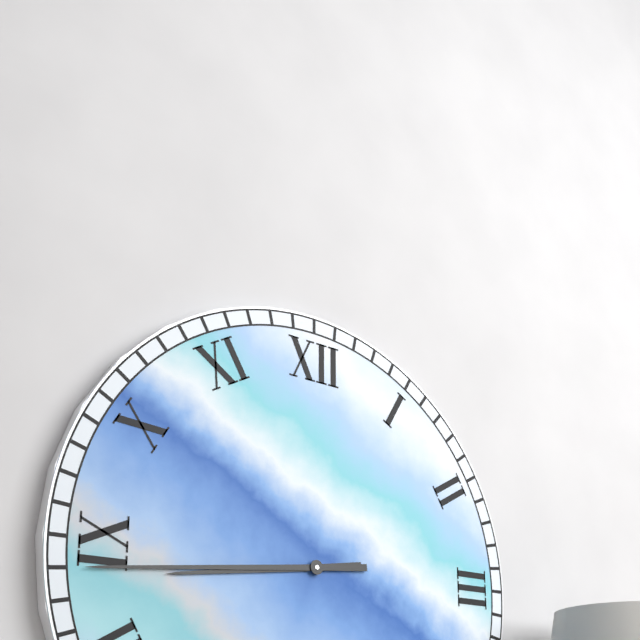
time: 8:44
